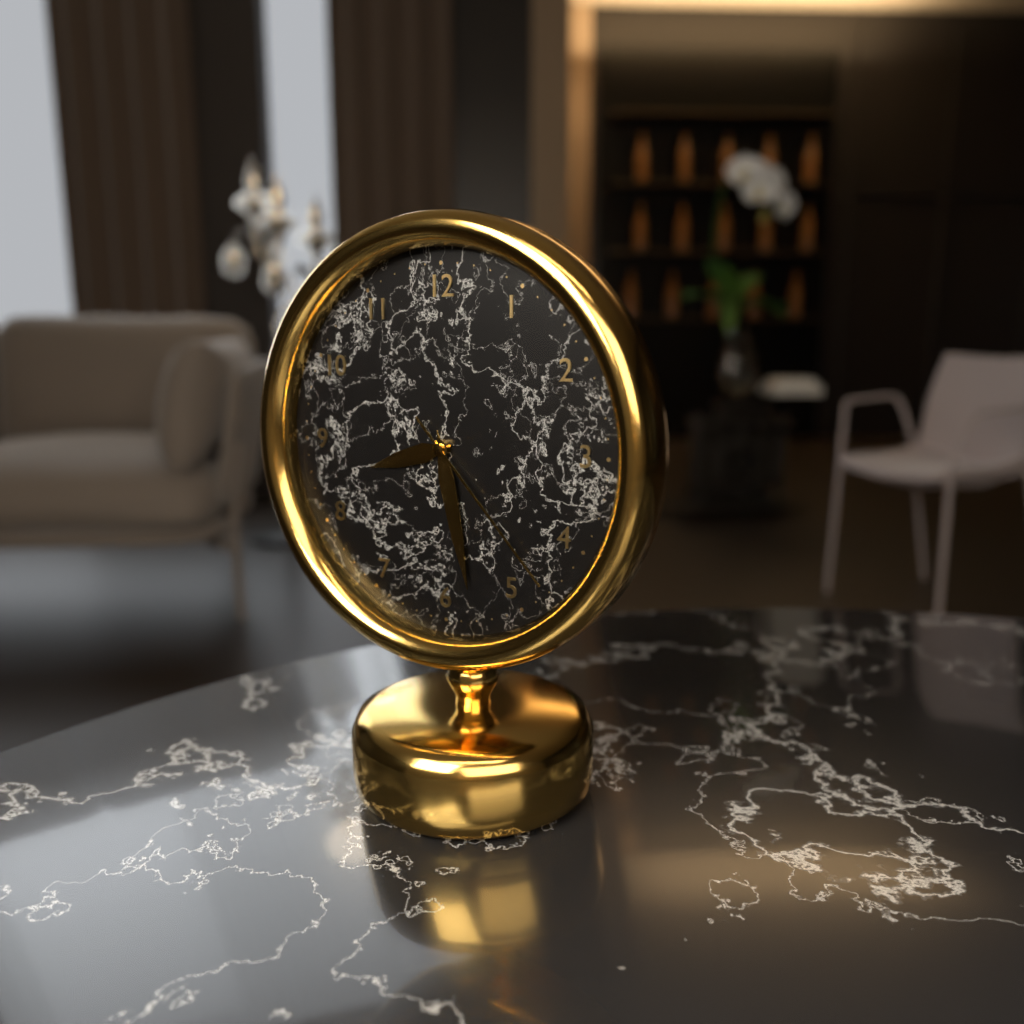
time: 8:28:23
